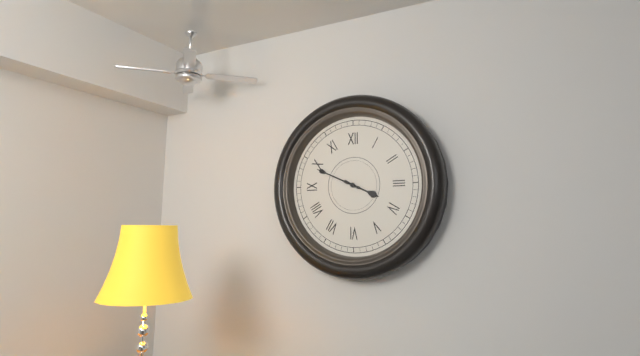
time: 3:49
